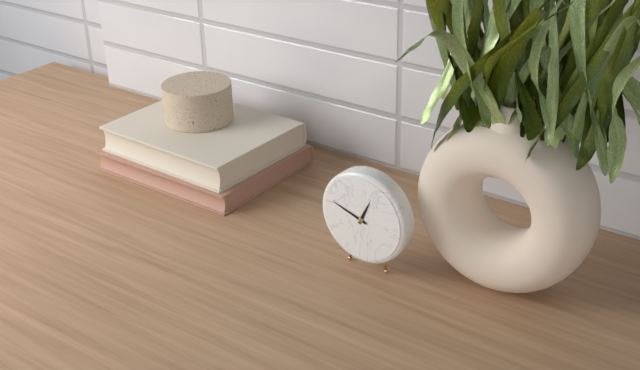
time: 12:48
